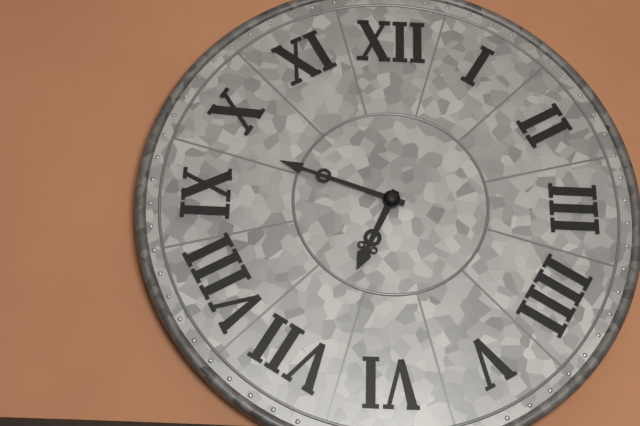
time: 6:48
